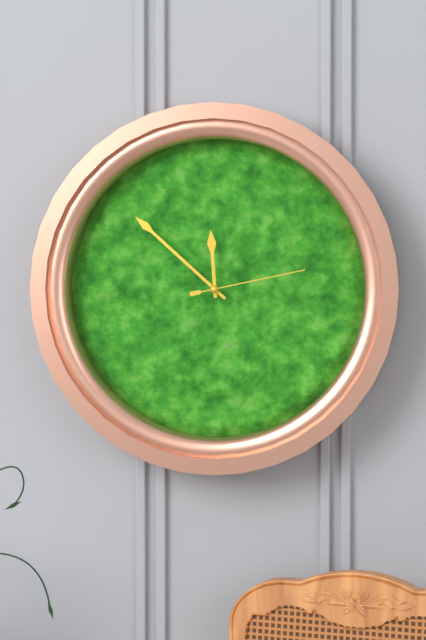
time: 11:52:13
